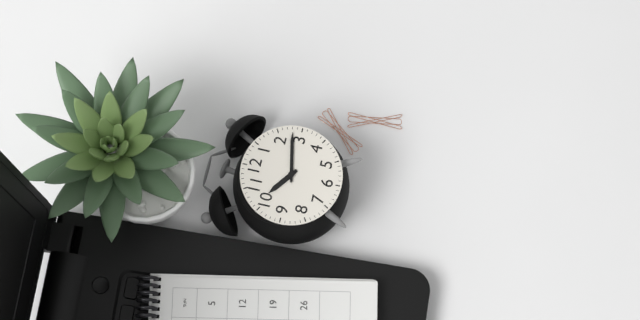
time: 10:13
